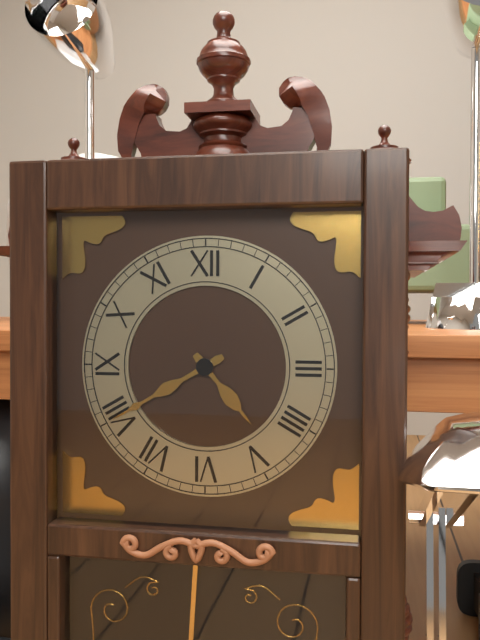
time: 4:40
